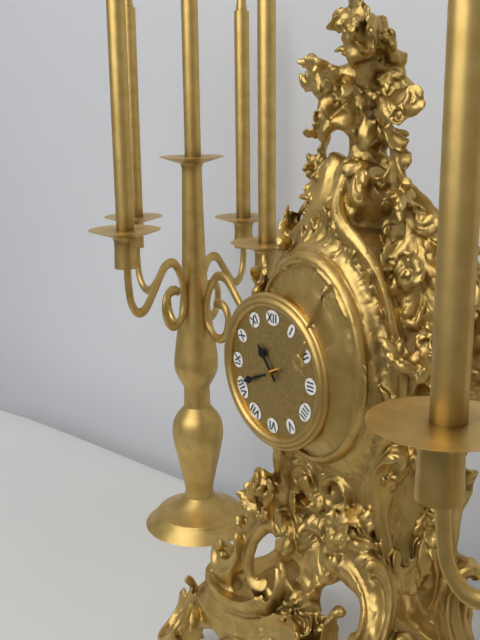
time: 10:41
